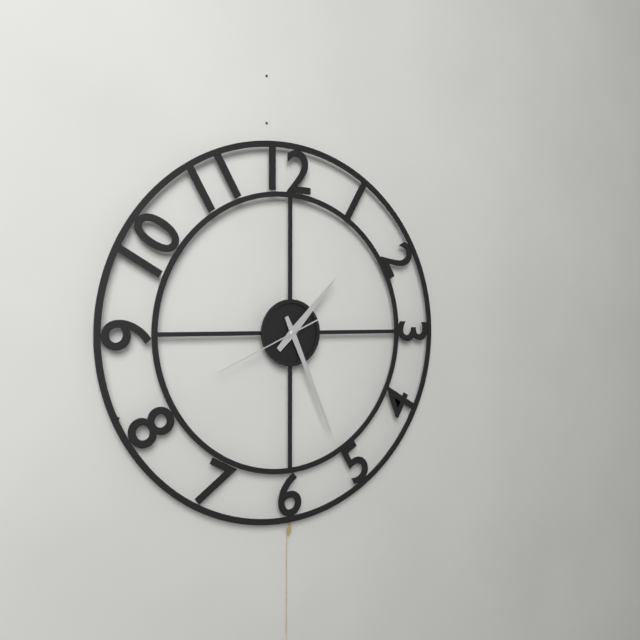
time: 1:26:41
